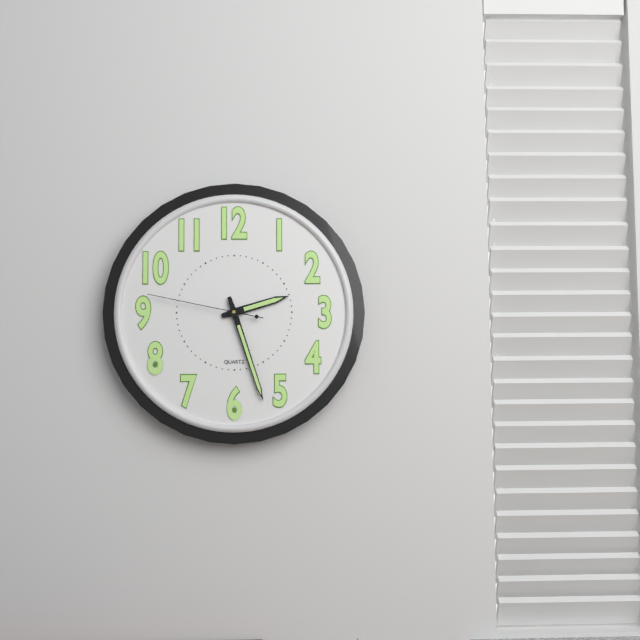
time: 2:27:47
